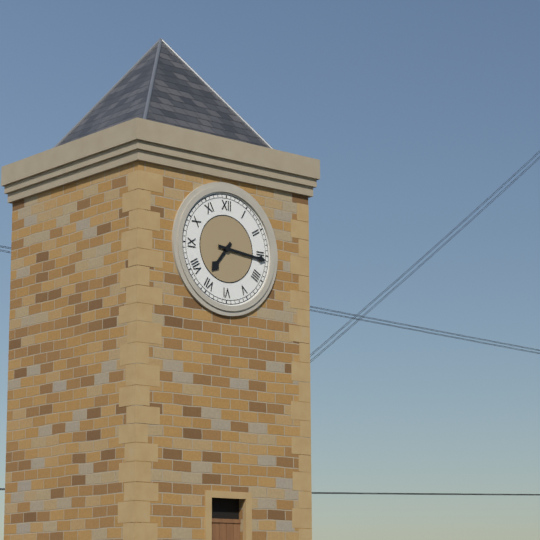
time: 7:16
